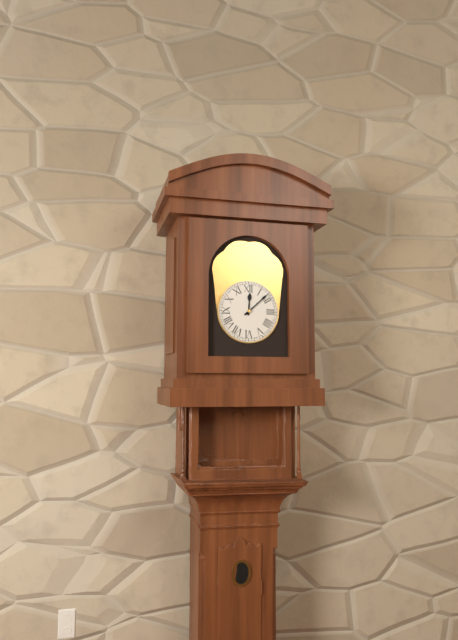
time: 12:08
